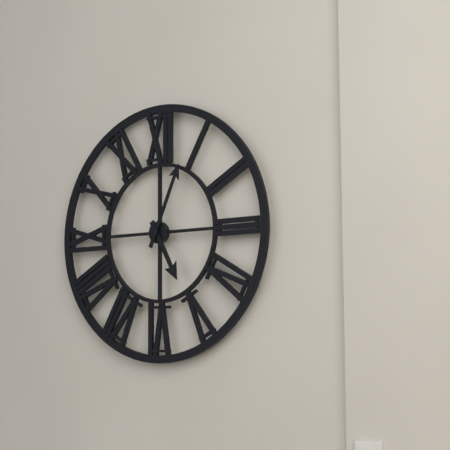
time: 5:04
